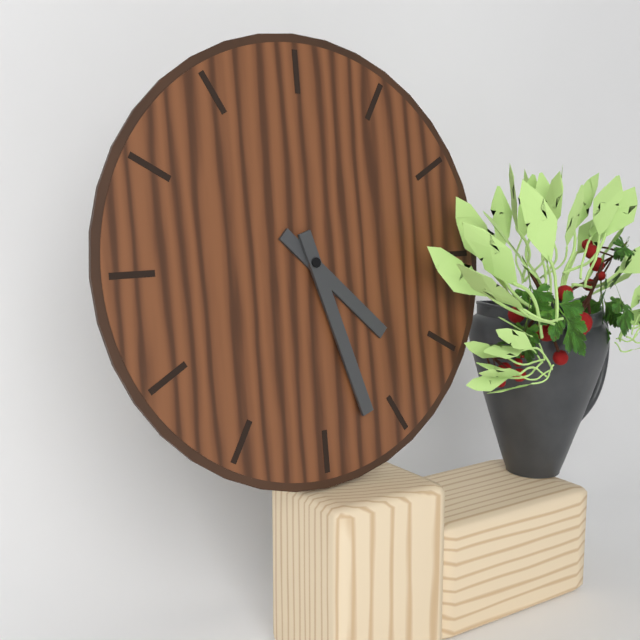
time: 4:27
